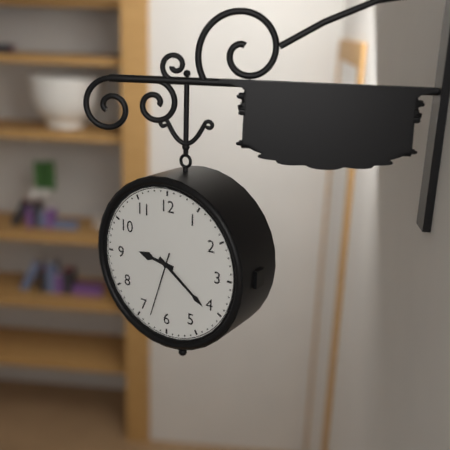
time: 9:21:33
